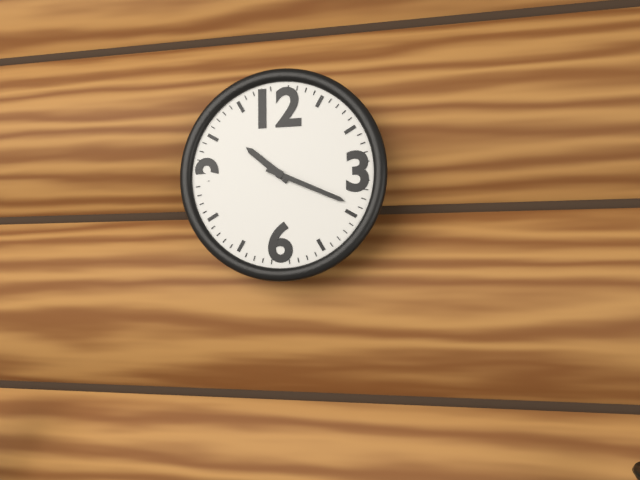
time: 10:19
